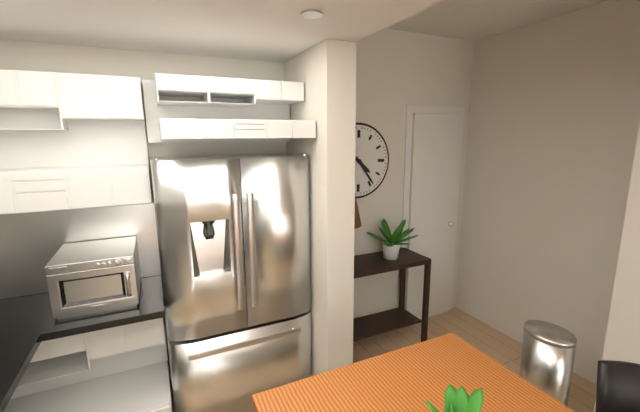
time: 4:24
